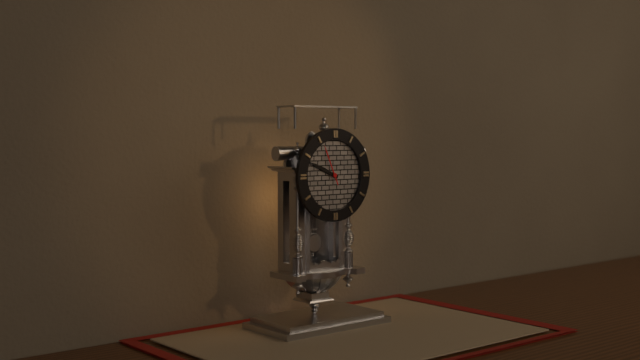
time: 9:49
